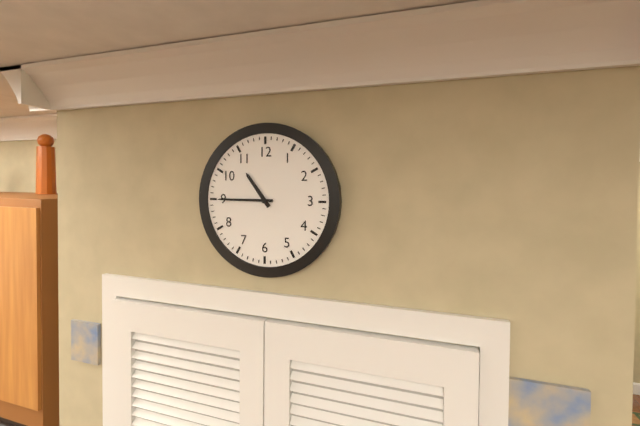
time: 10:45
